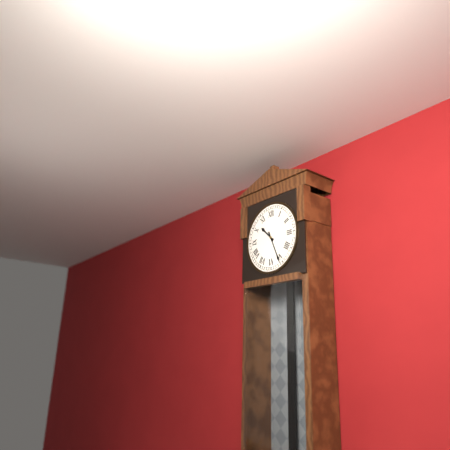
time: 10:26
